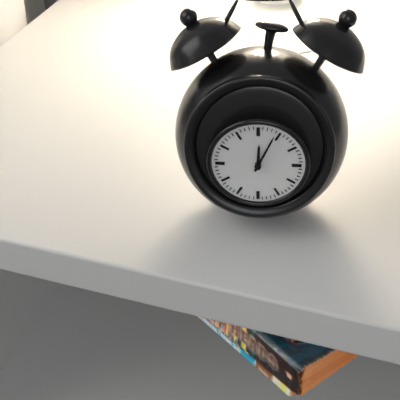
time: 12:04
